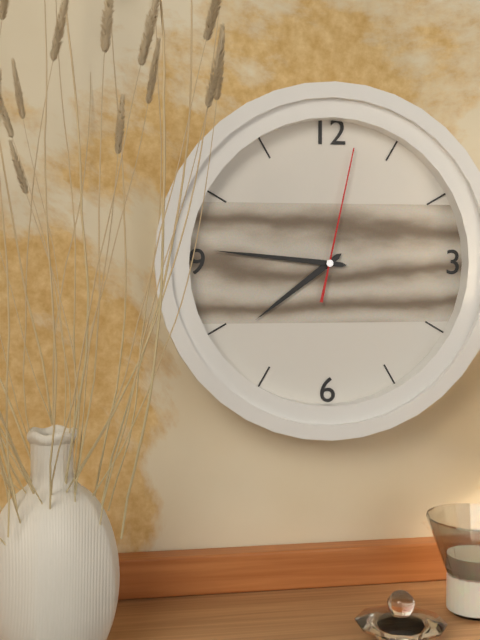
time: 7:46:02
